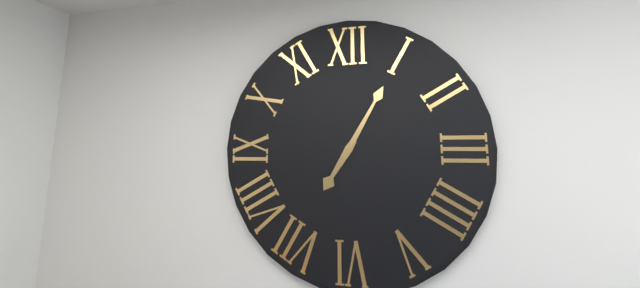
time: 7:05
